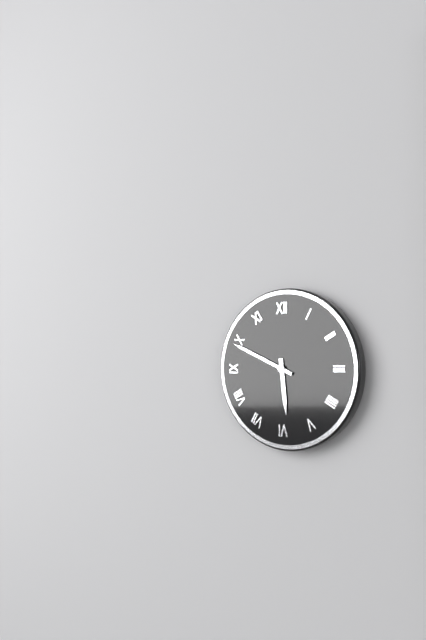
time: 5:49
